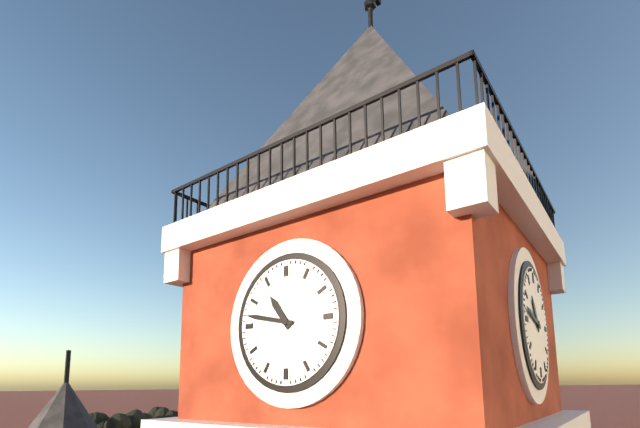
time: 10:47
